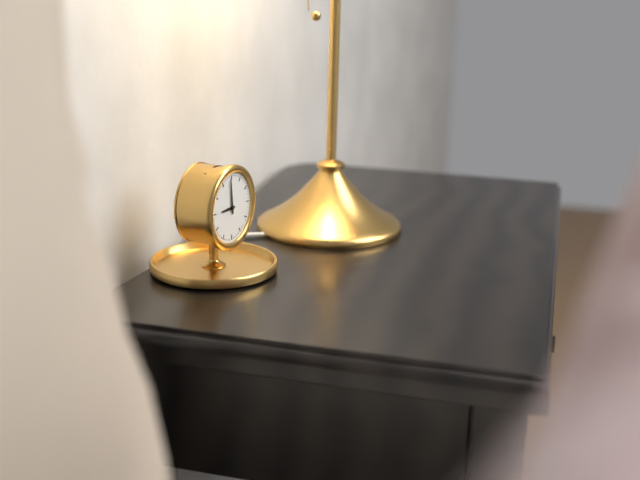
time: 8:59
